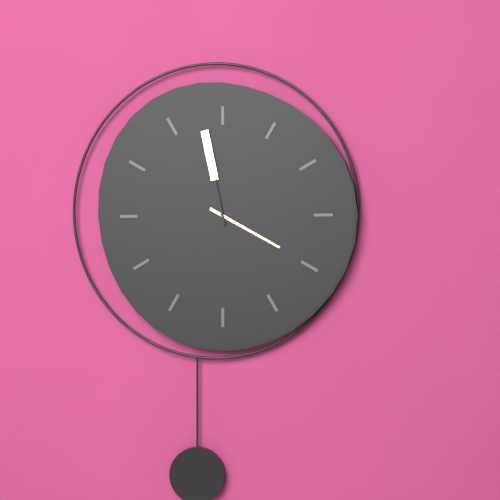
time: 3:58
